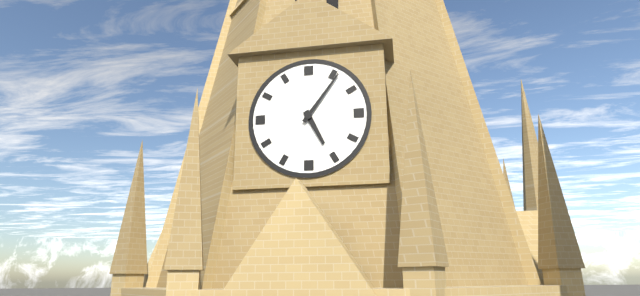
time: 5:06
